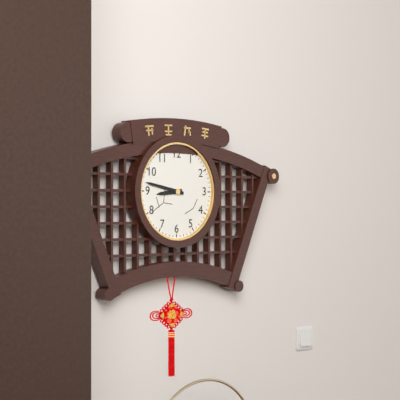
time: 8:47
